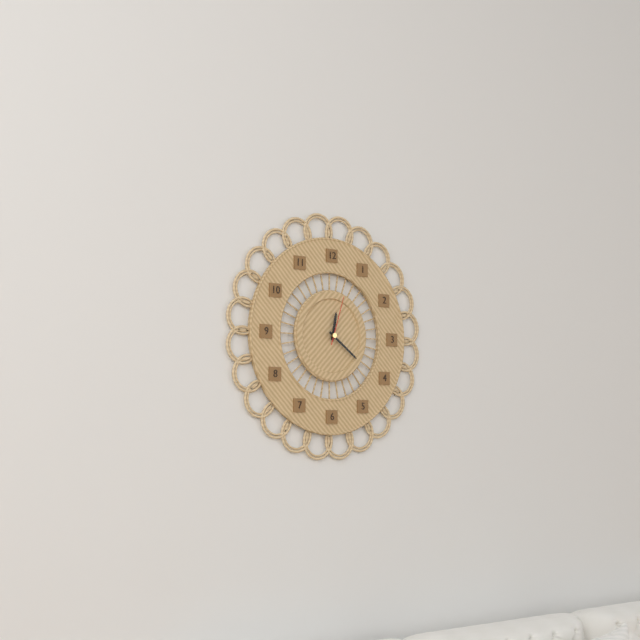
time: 12:21:03
